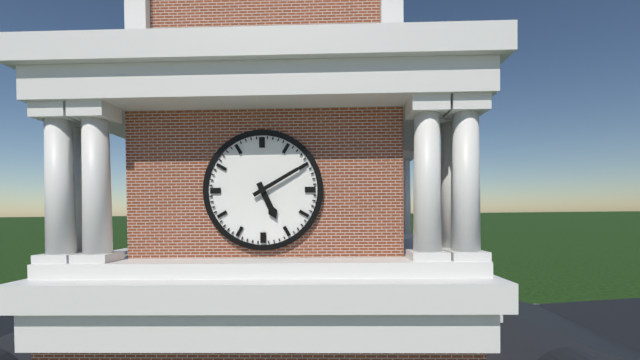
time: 5:10
